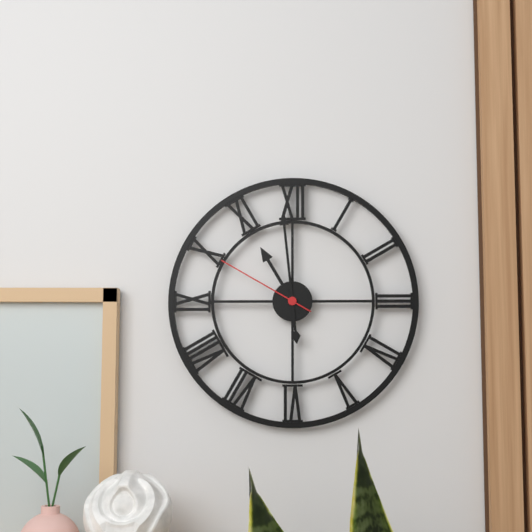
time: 10:59:50
